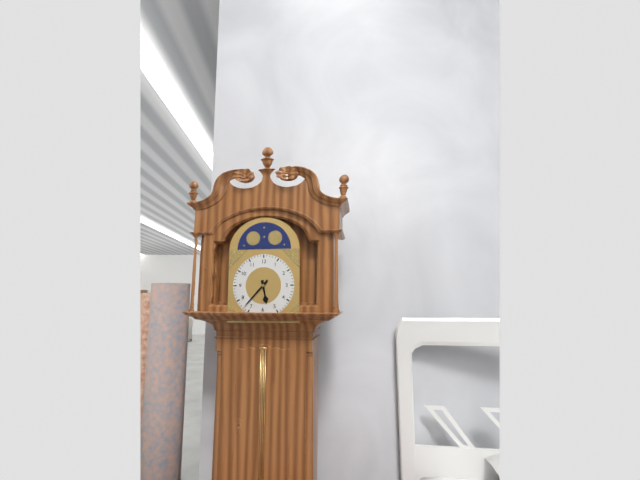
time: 5:37
